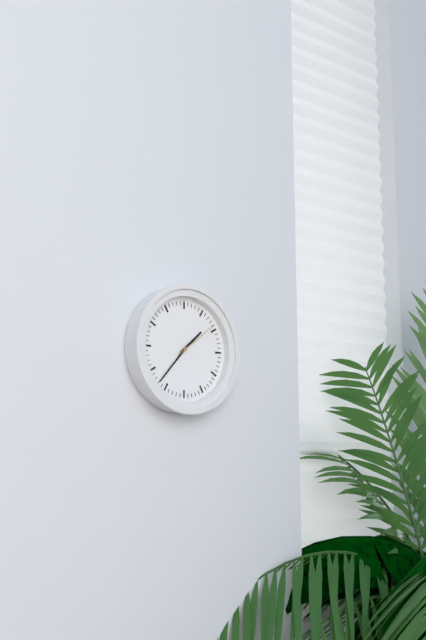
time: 1:37
